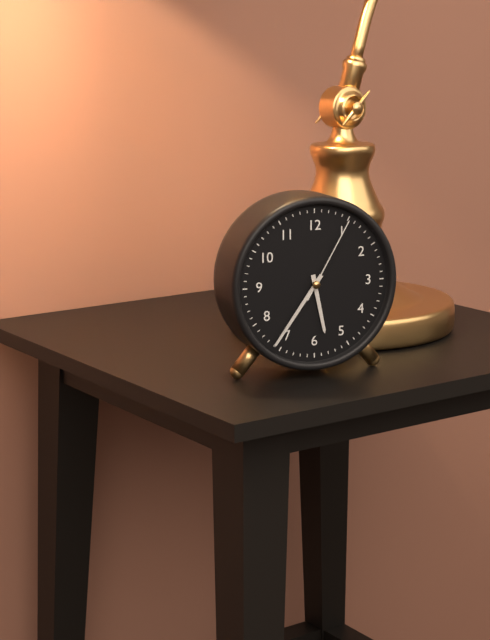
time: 5:36:05
